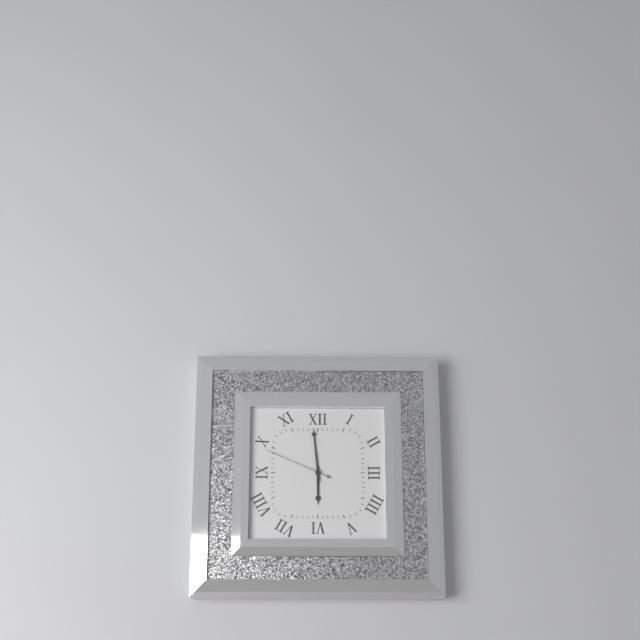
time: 5:59:49
